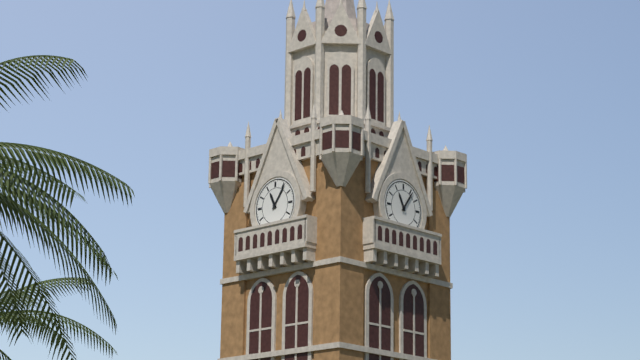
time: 11:06
